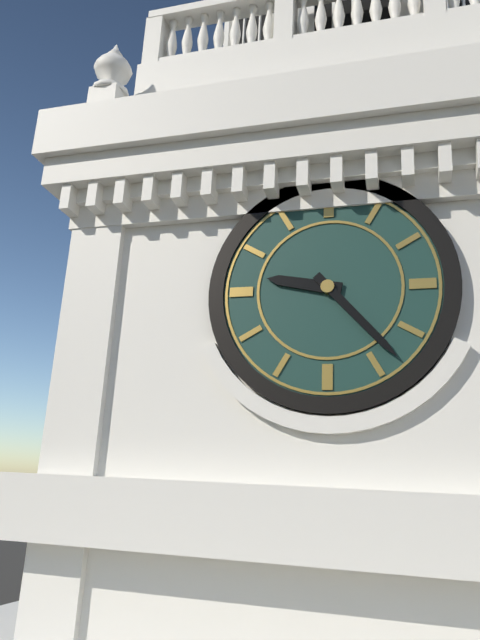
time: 9:23
